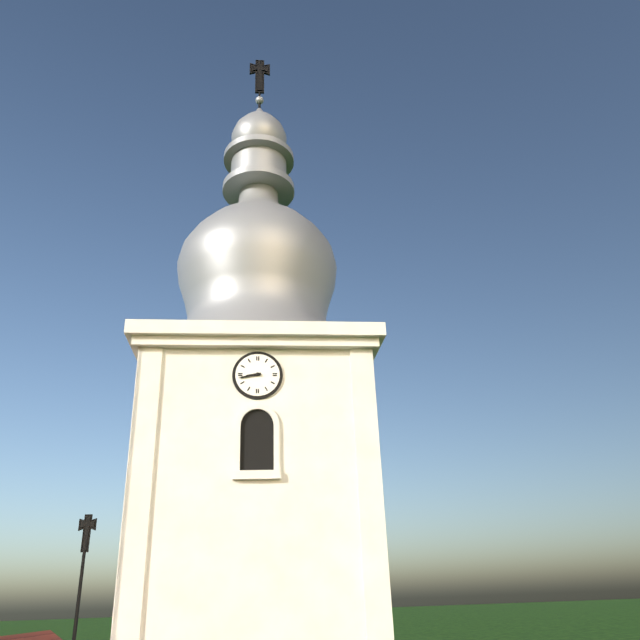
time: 8:43
